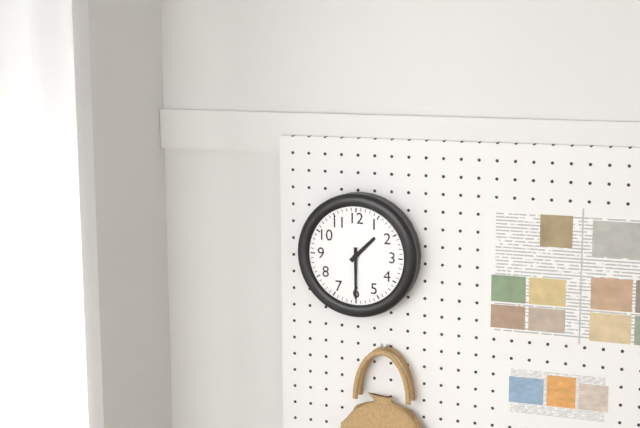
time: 1:30
